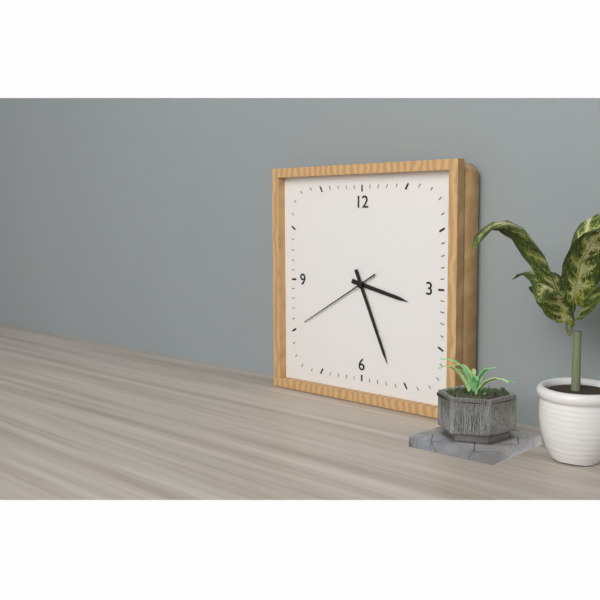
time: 3:26:40
